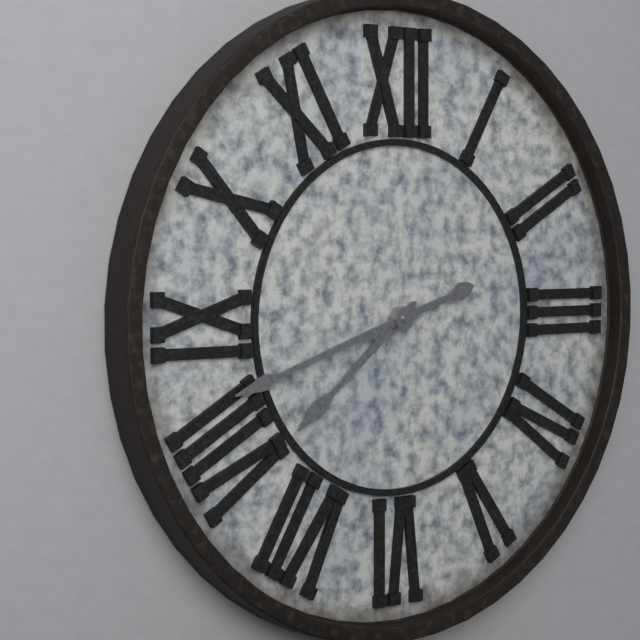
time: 7:42
